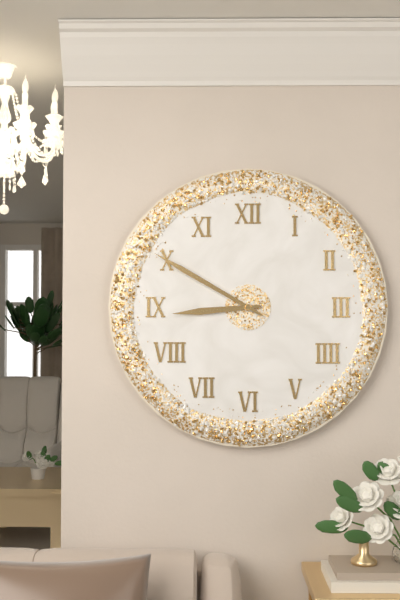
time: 8:50
